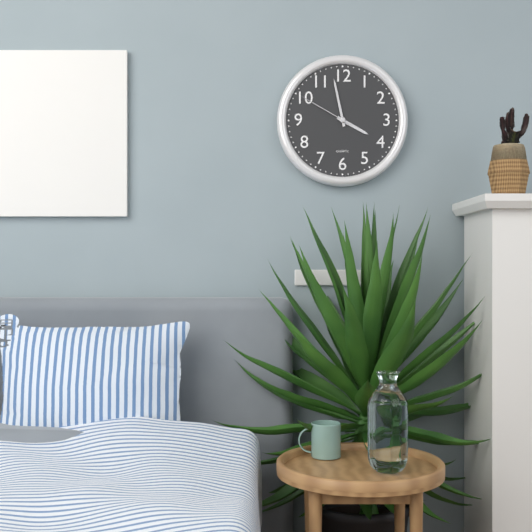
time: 3:58:50
